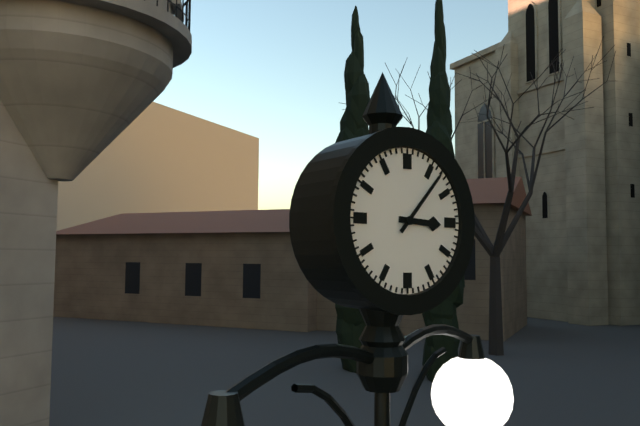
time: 3:07
